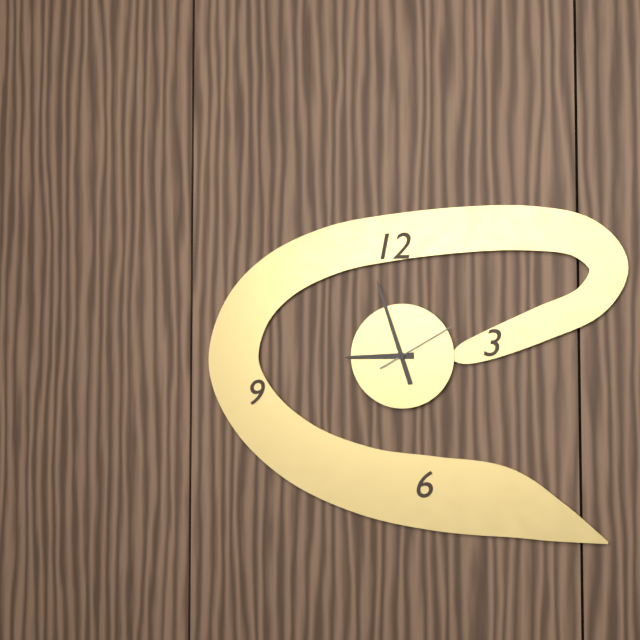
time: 8:57:10
